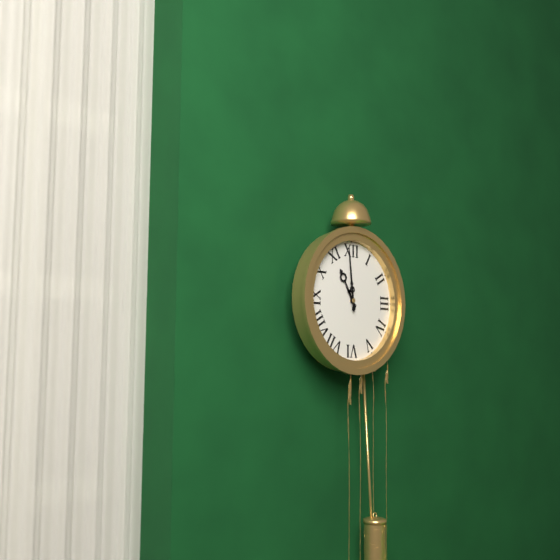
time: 10:59
